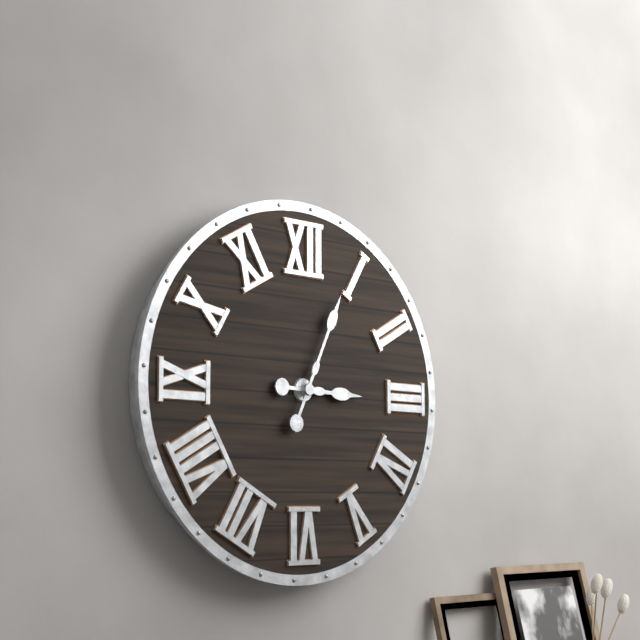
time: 3:04
